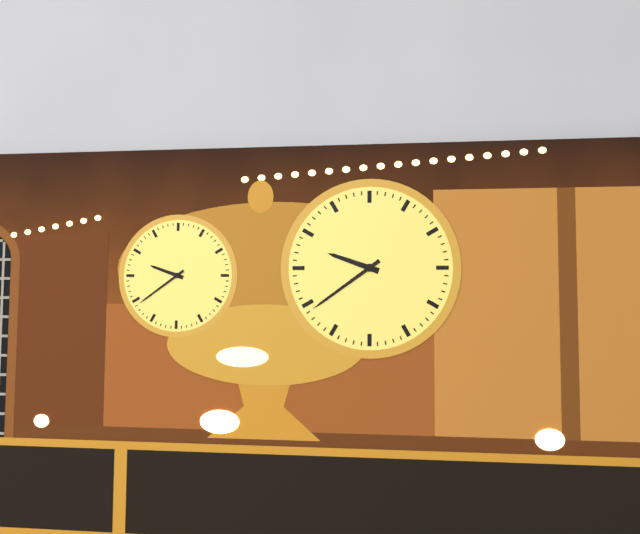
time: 9:39
